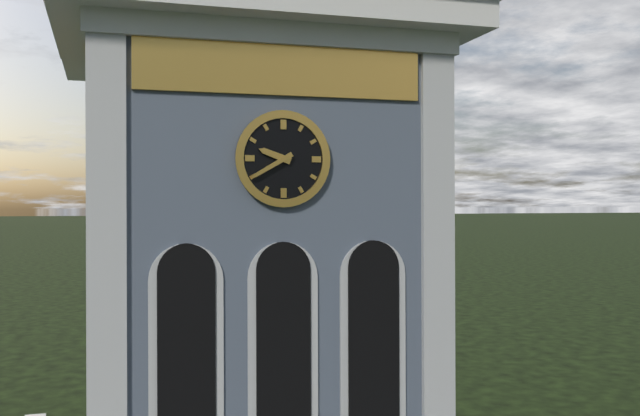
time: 9:40
